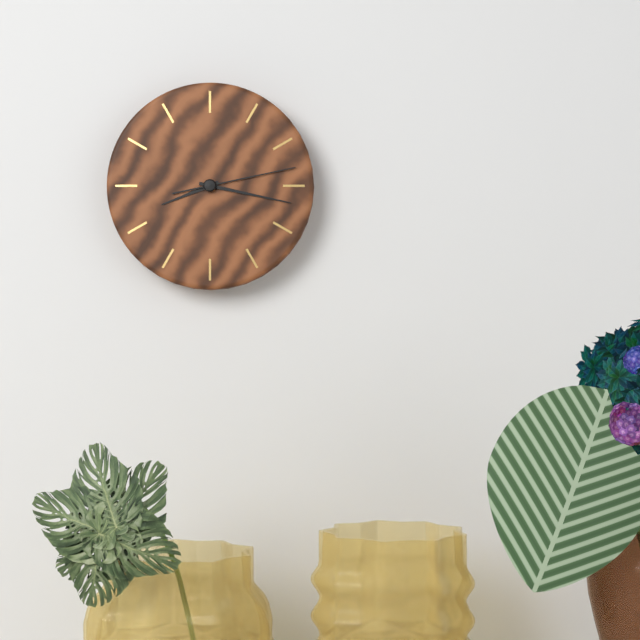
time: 8:17:13
